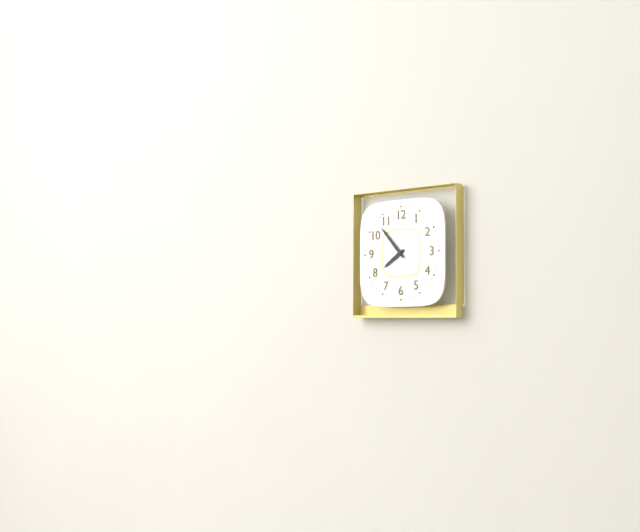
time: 7:53
